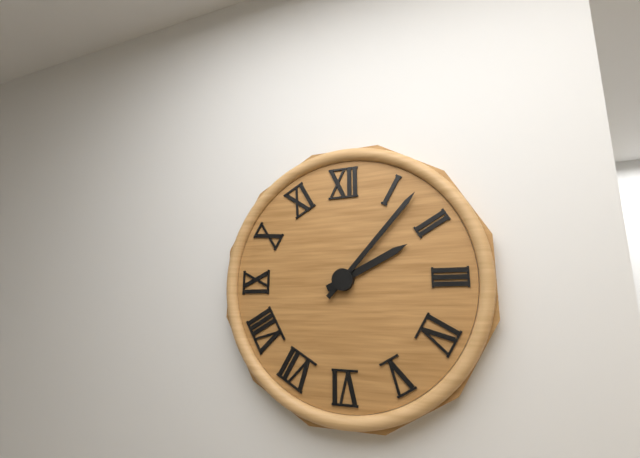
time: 2:07
